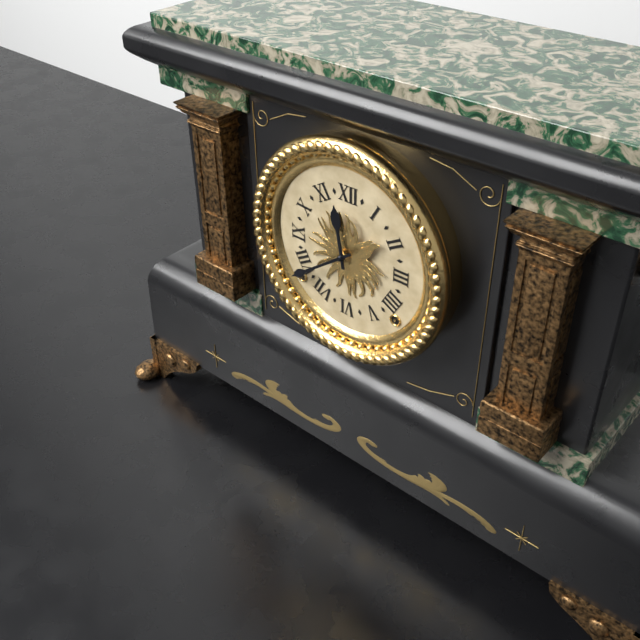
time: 11:39
